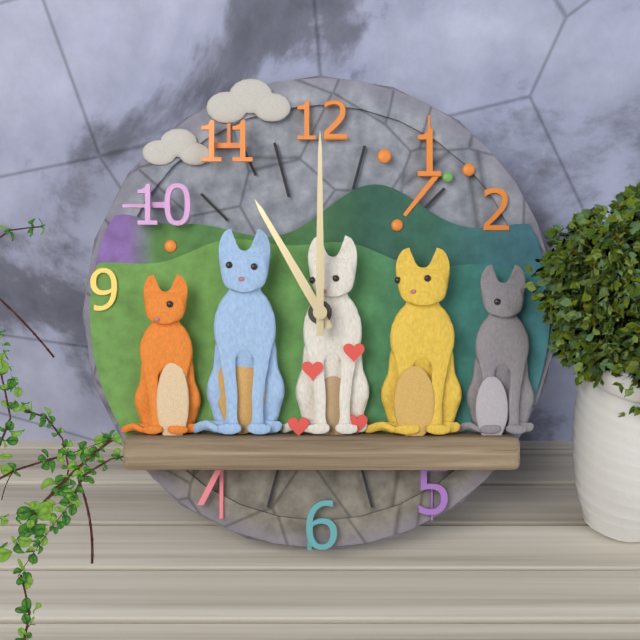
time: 11:00
